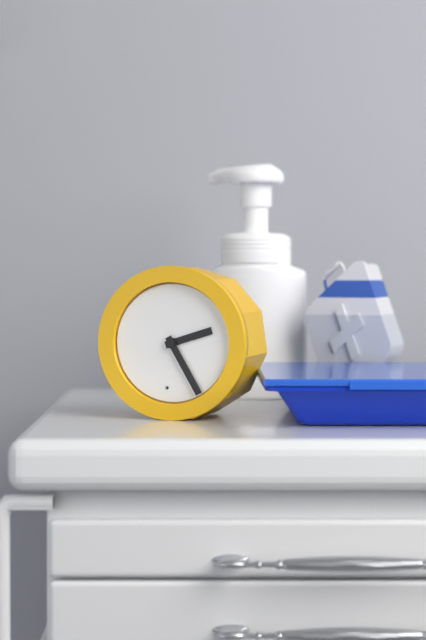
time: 2:25
